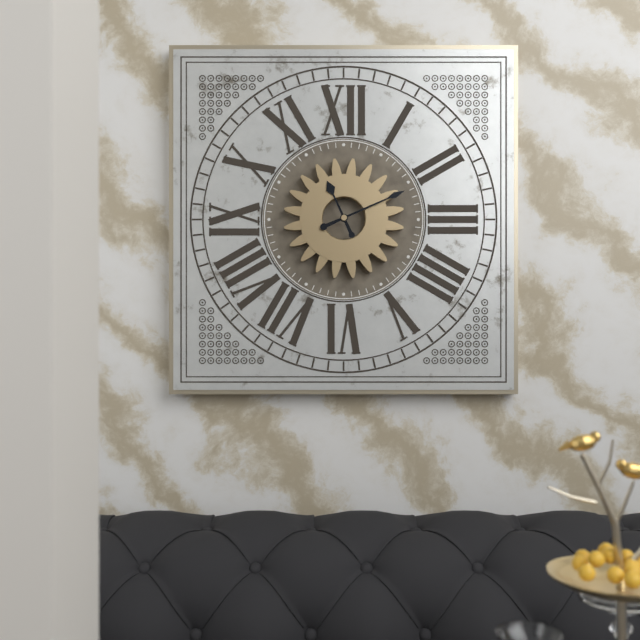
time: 11:11
